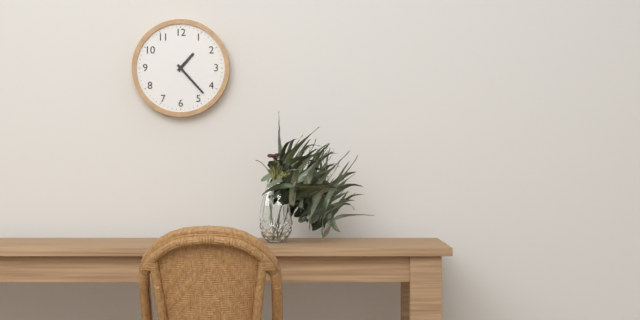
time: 1:23
